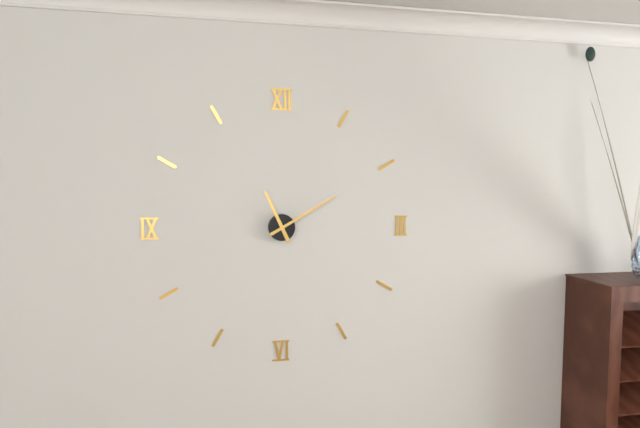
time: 11:10
